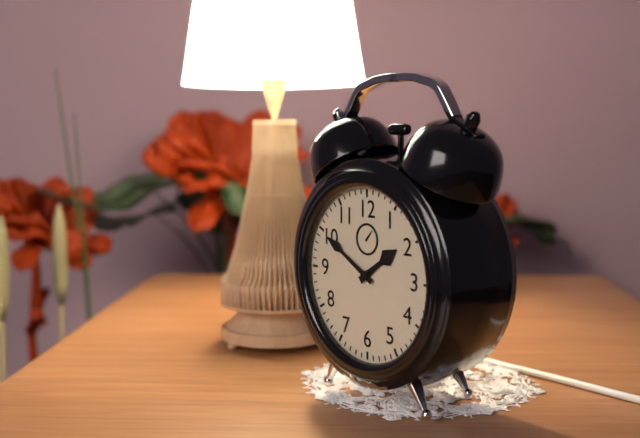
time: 1:50
